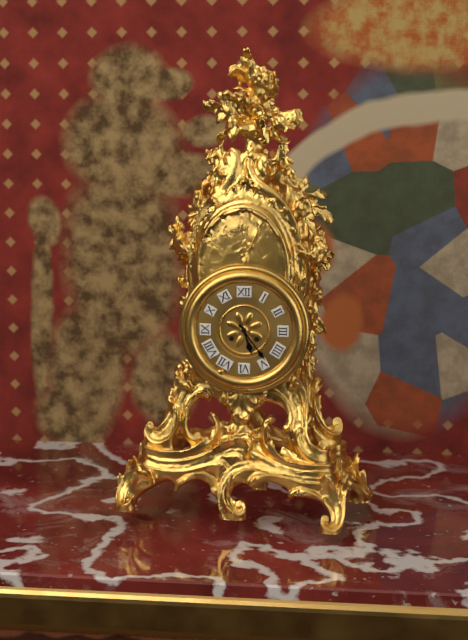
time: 5:24
